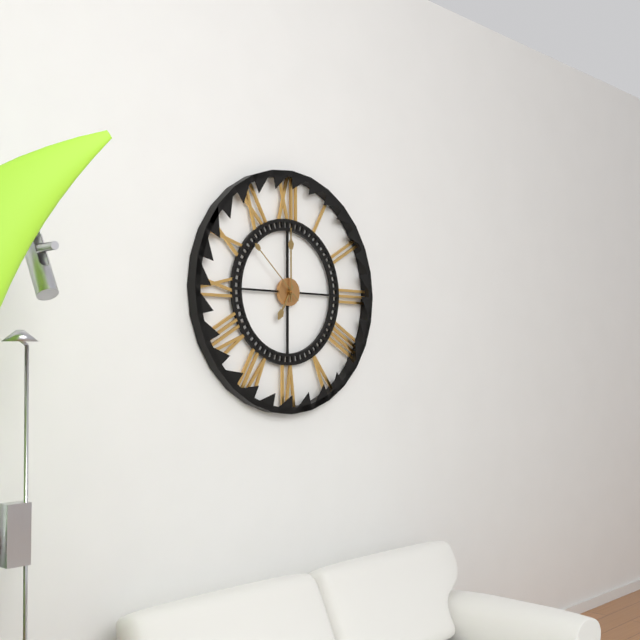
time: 7:00:52
